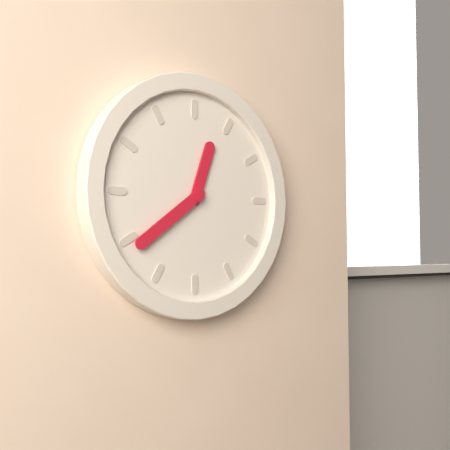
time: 12:39
